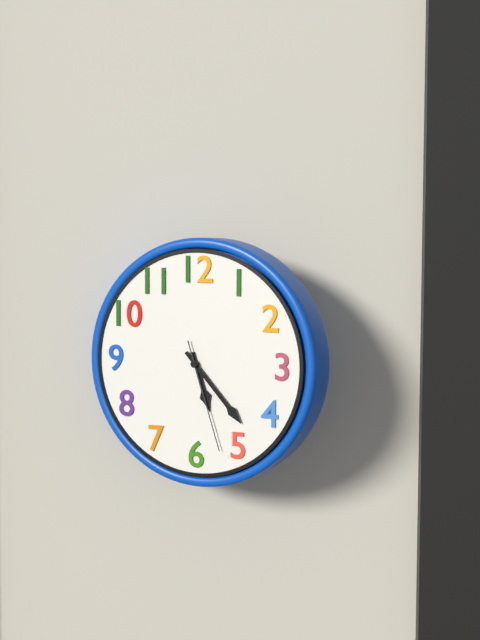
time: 5:23:27
